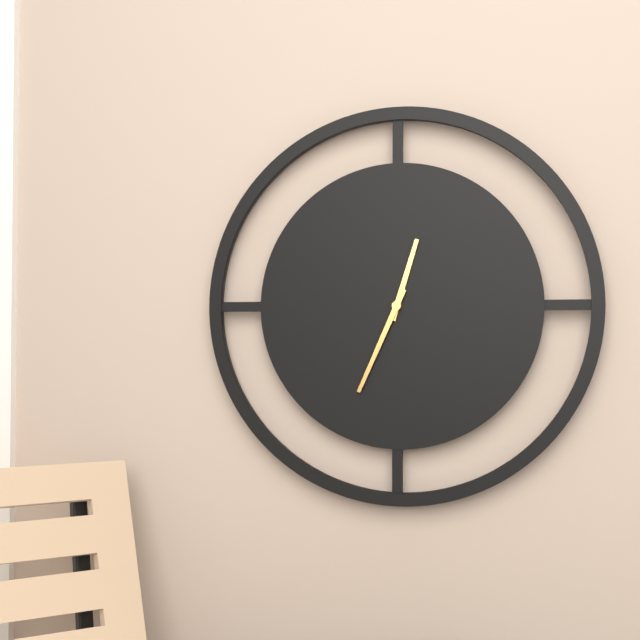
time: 12:34
